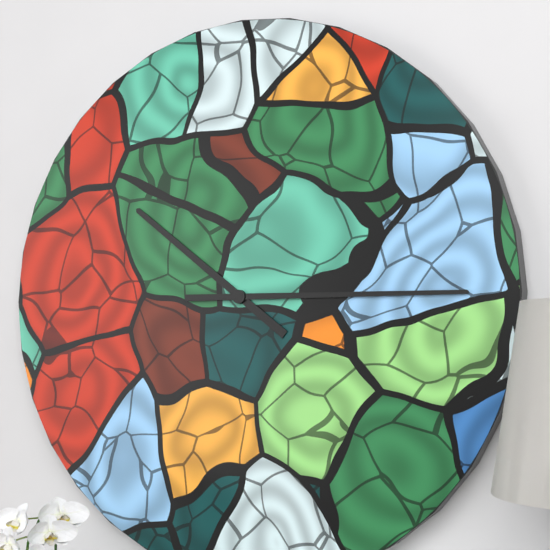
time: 10:15
